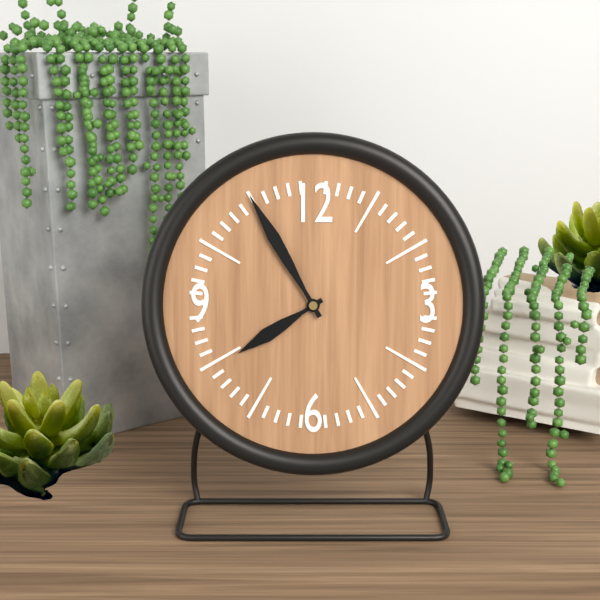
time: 7:55
